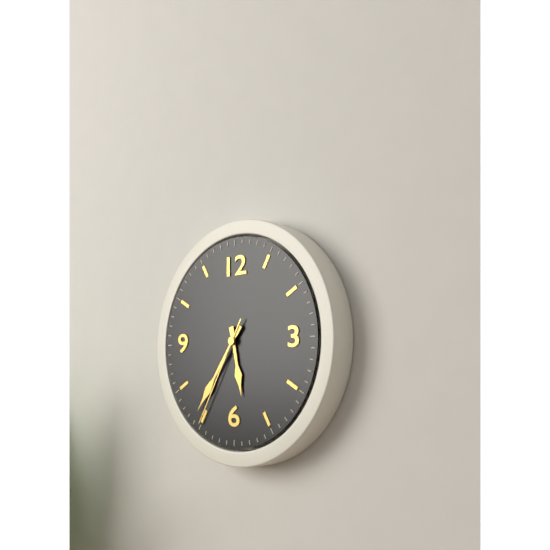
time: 5:36:35
